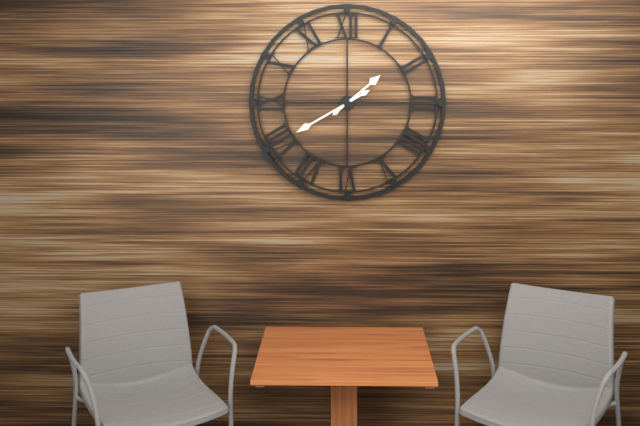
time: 1:40
